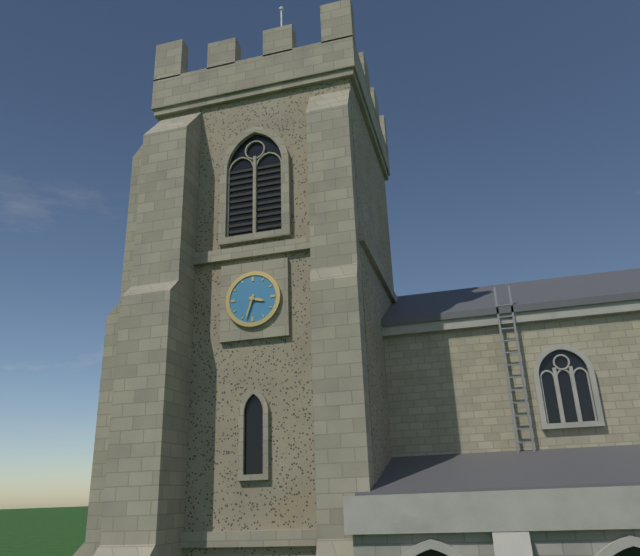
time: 3:33
